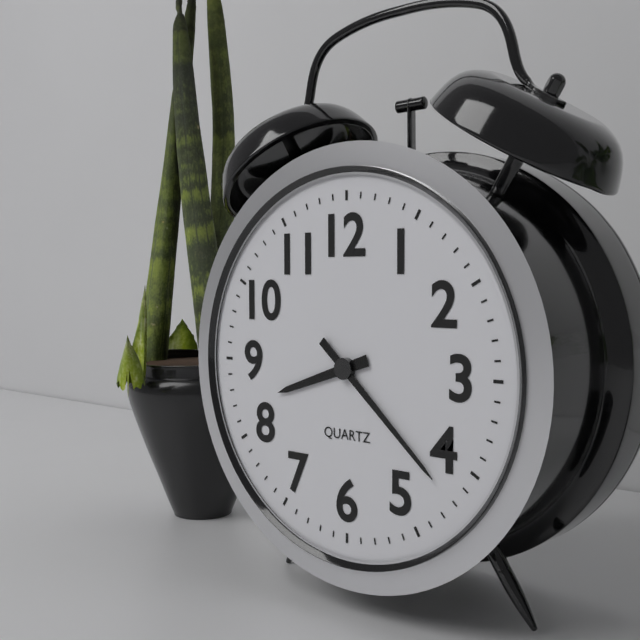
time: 8:22
